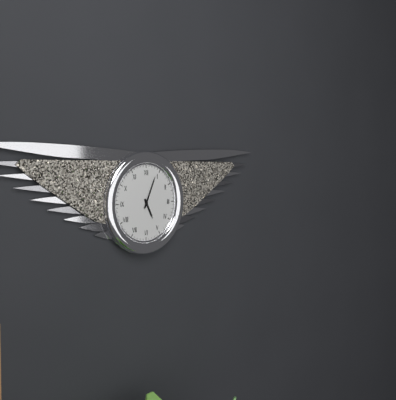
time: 5:04
